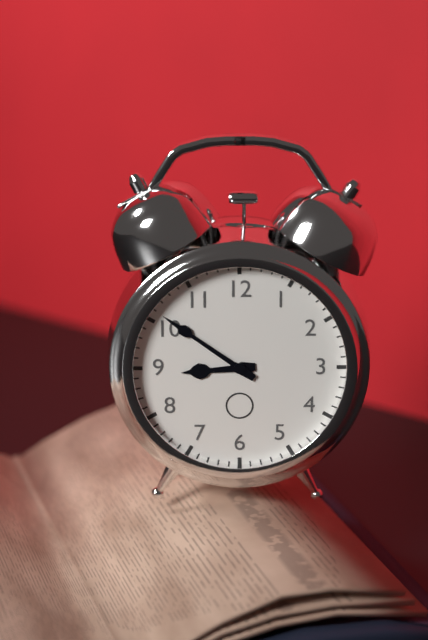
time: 8:51
